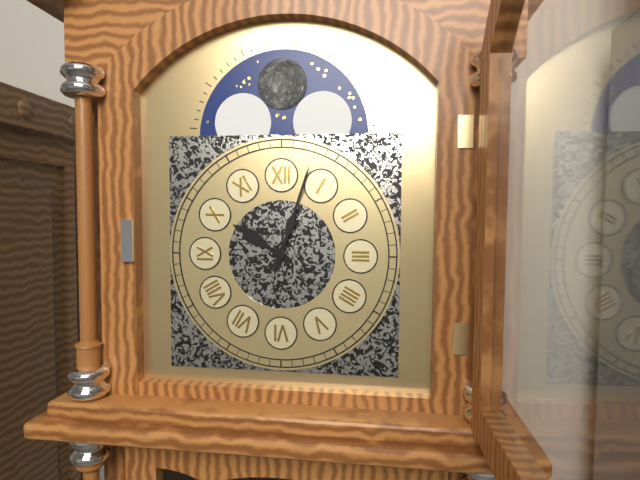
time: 10:03
